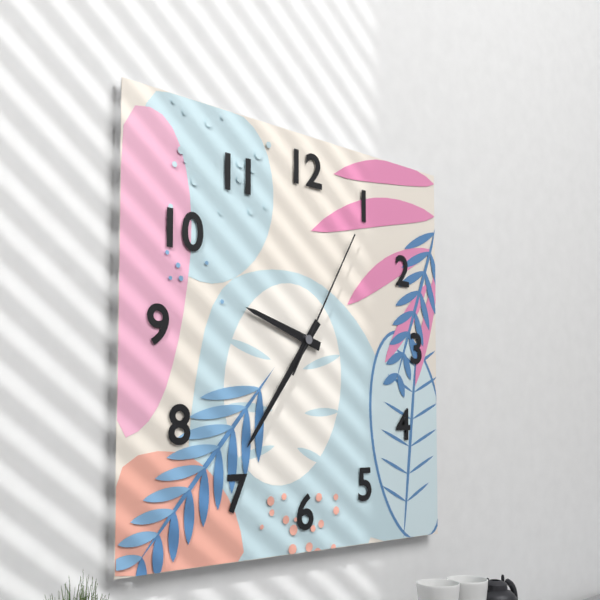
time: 9:36:05
